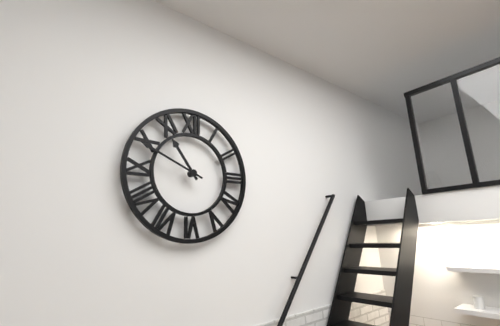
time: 10:49
